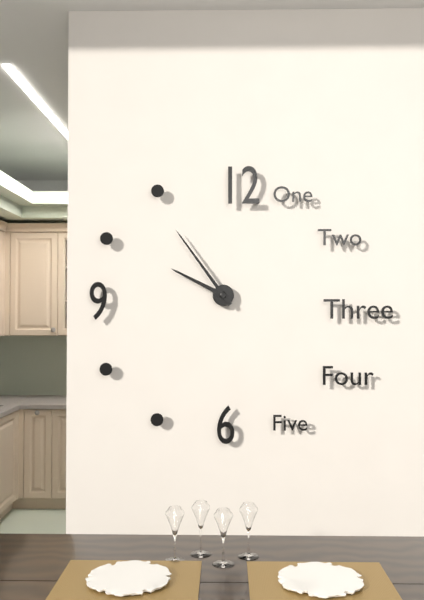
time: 9:54
